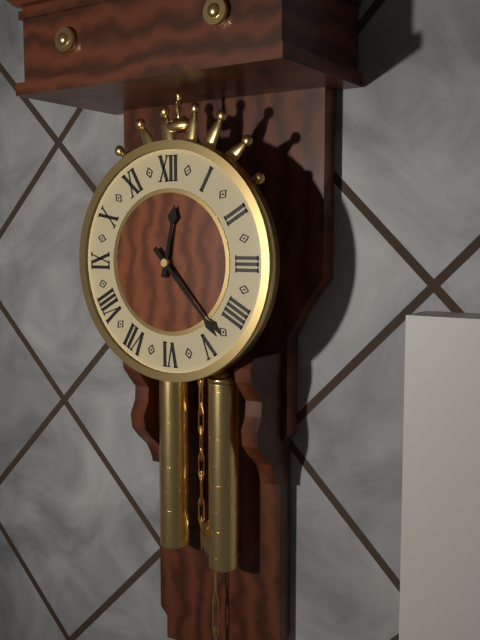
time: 12:23
